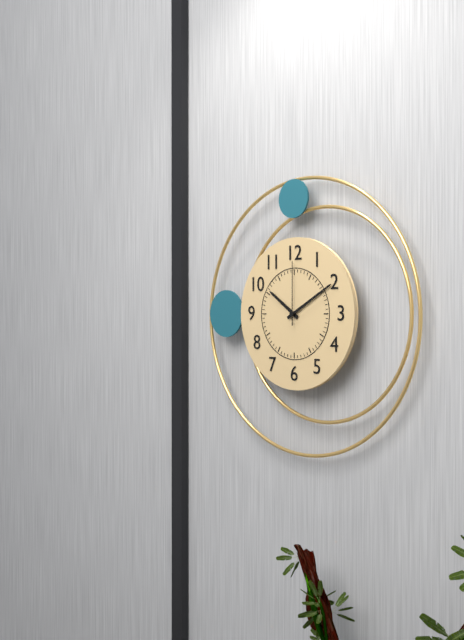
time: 10:10:00
